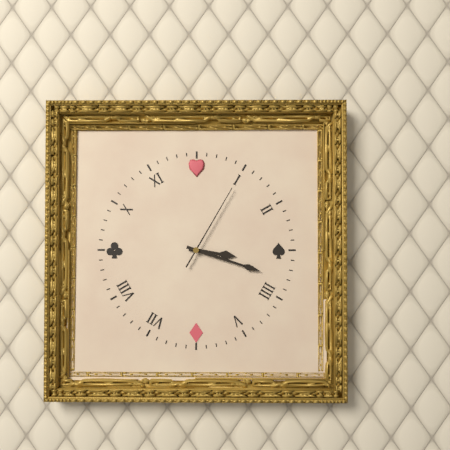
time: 3:18:05
